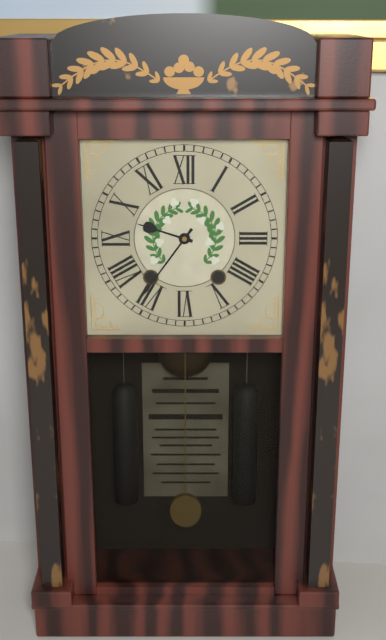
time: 9:36
